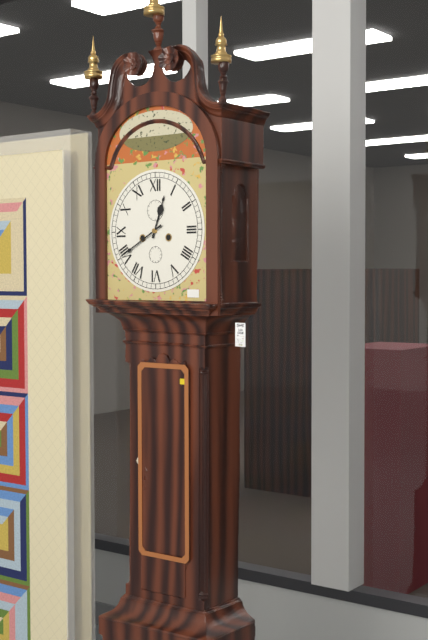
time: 12:40
